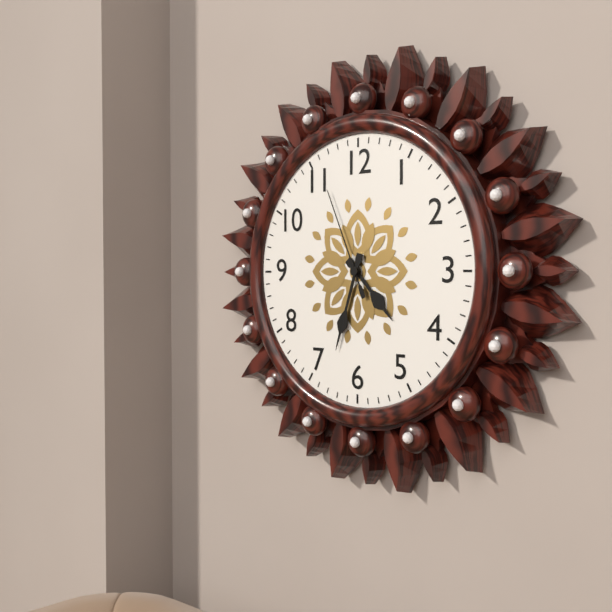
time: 4:33:56
